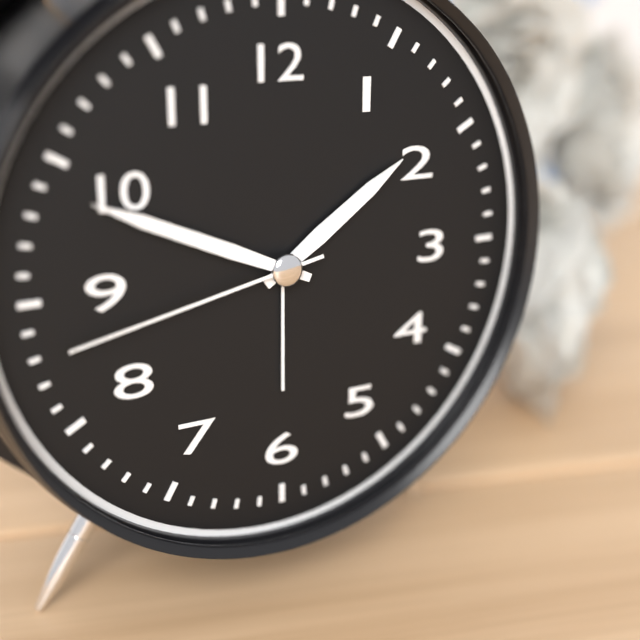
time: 1:49:43
